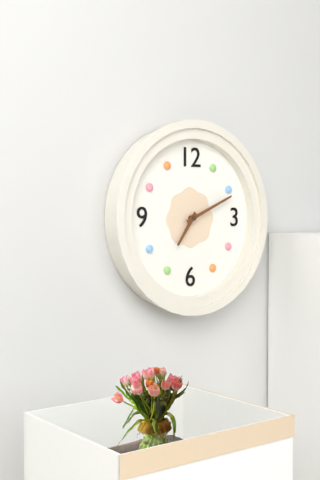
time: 7:11
